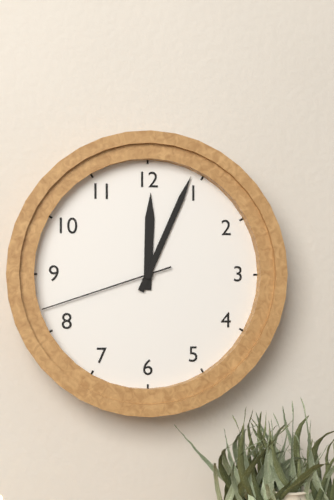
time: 12:04:42
